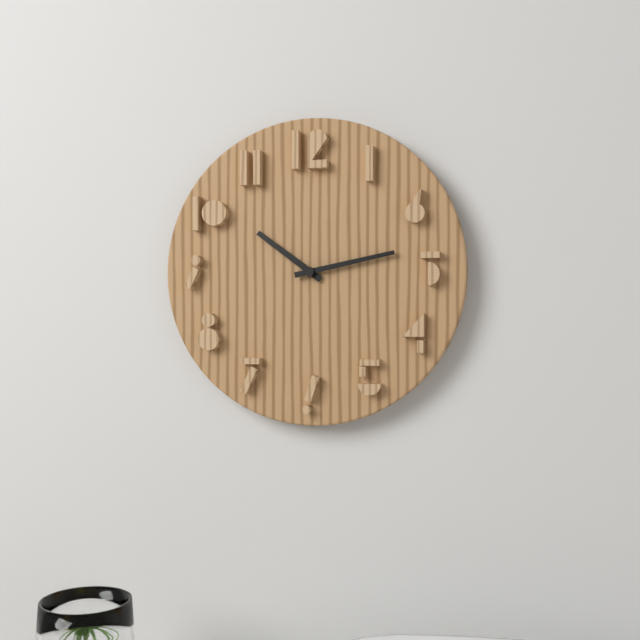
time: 10:13
